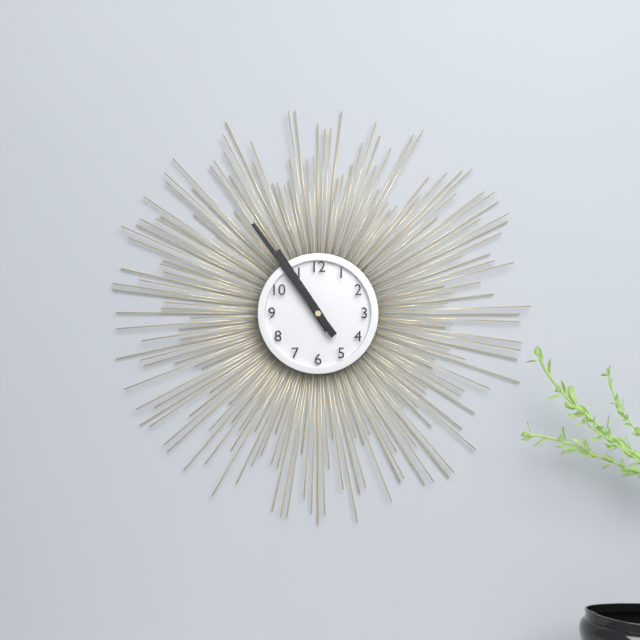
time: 10:54
